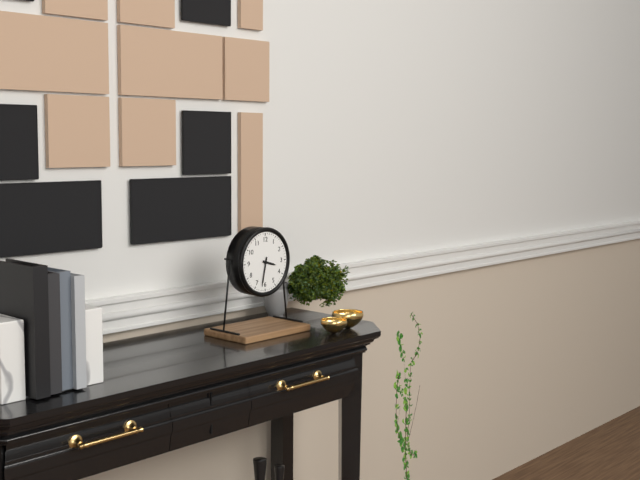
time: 3:32
